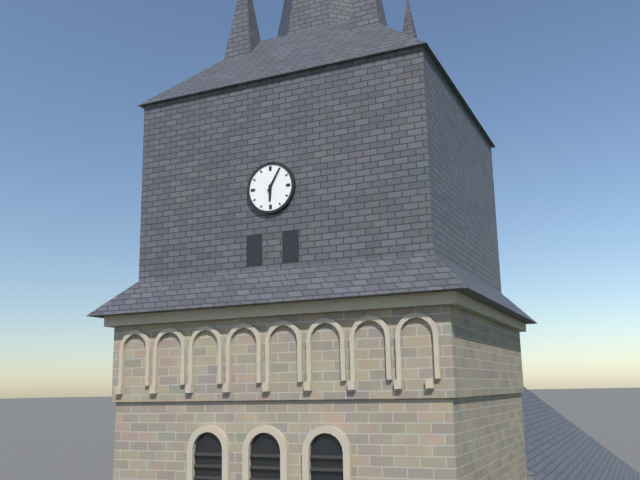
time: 6:05
